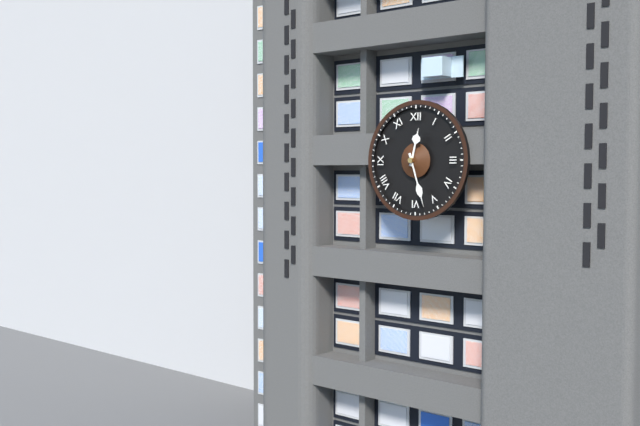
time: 12:27
